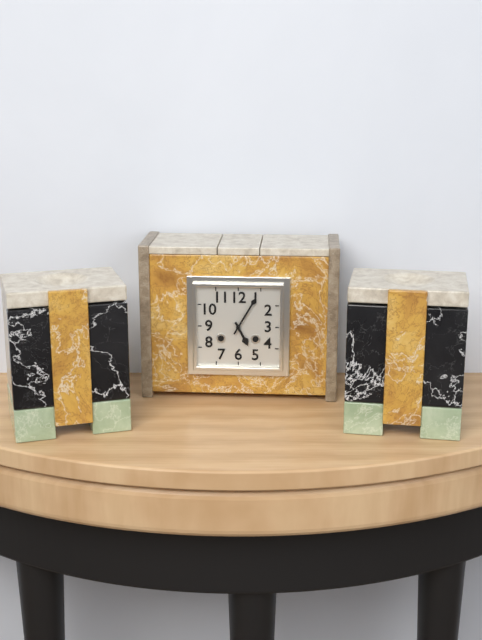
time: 5:05
